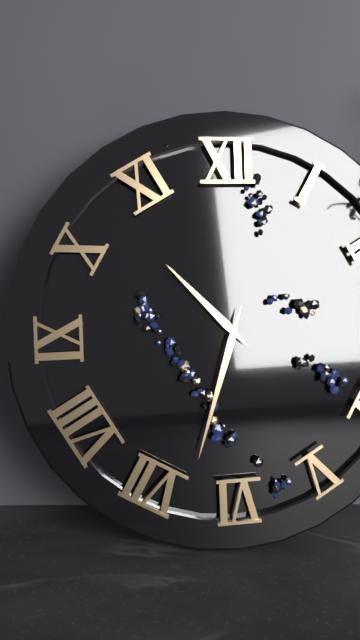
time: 10:33
